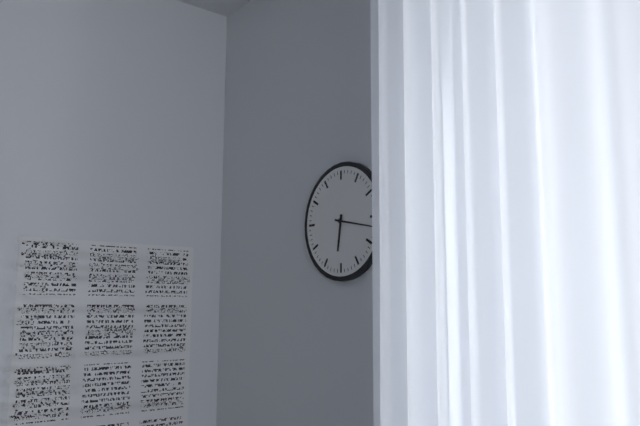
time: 6:17
